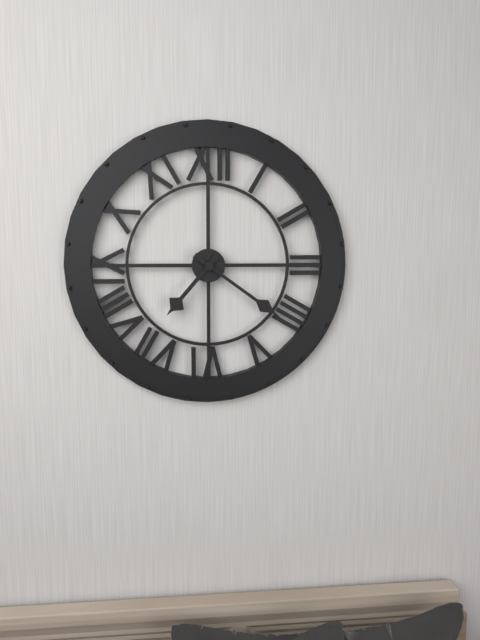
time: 7:21
